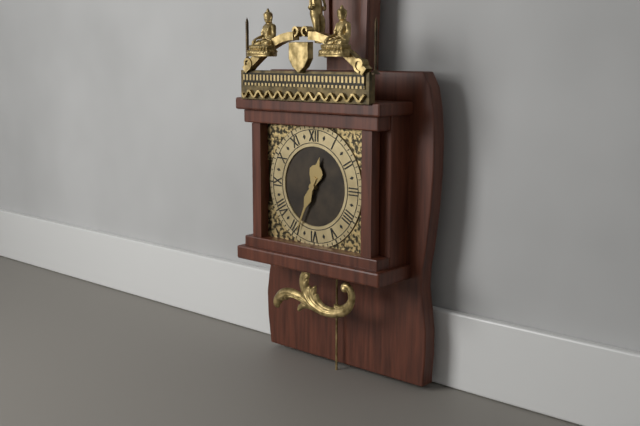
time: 12:34
